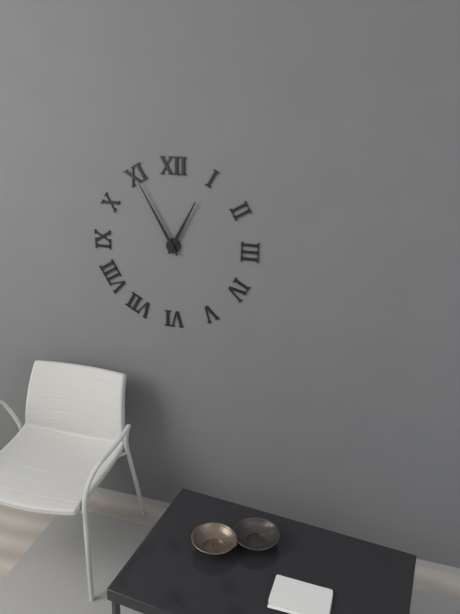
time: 12:55
